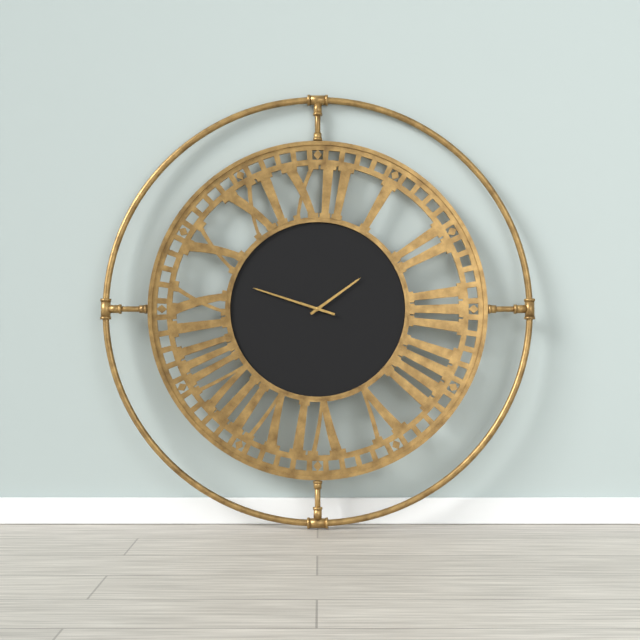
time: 1:48
